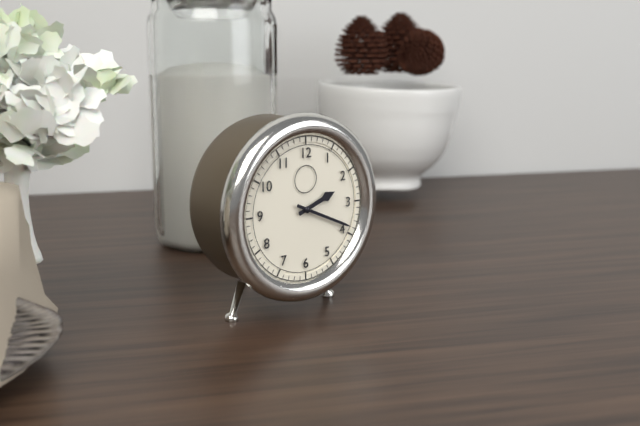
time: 2:19
